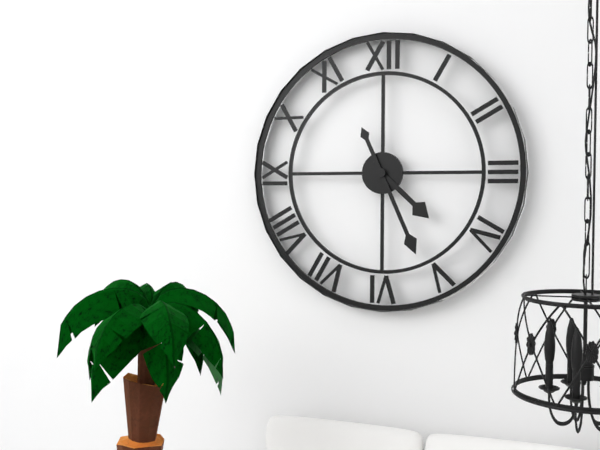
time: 4:26
